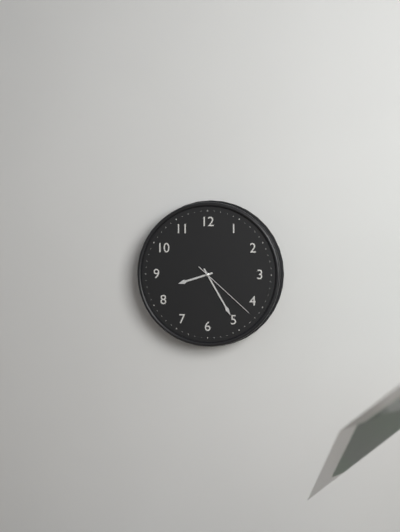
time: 8:25:22
